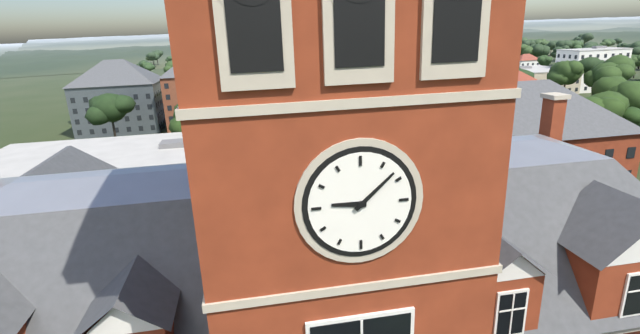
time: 9:08
